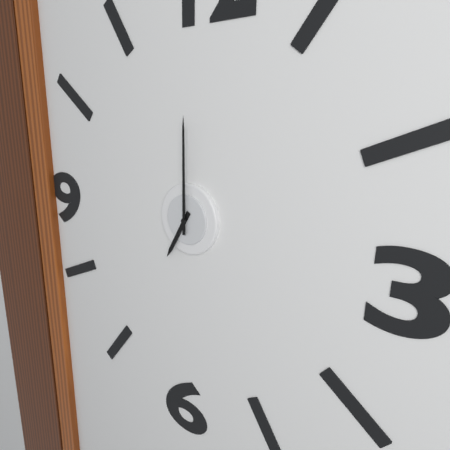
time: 7:00
